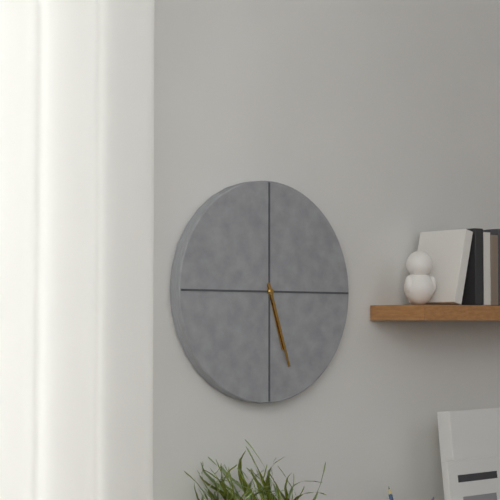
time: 5:27
